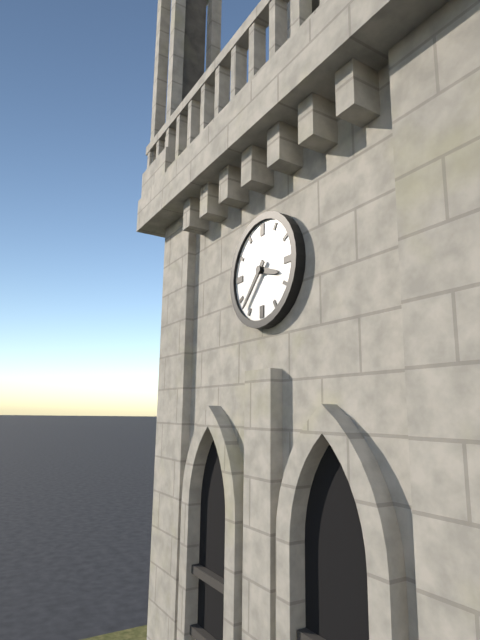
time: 3:37
